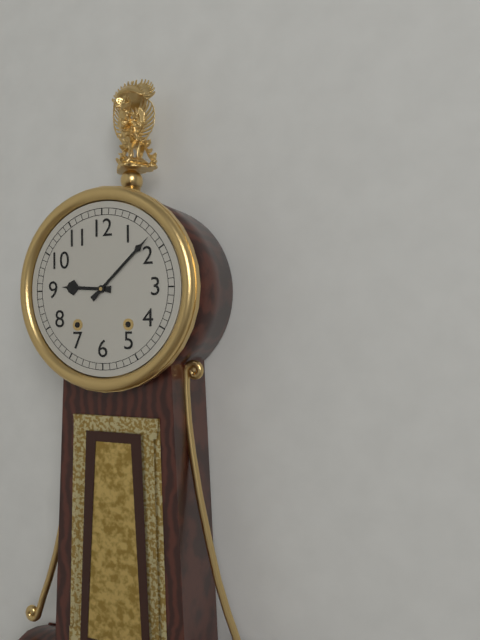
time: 9:08
